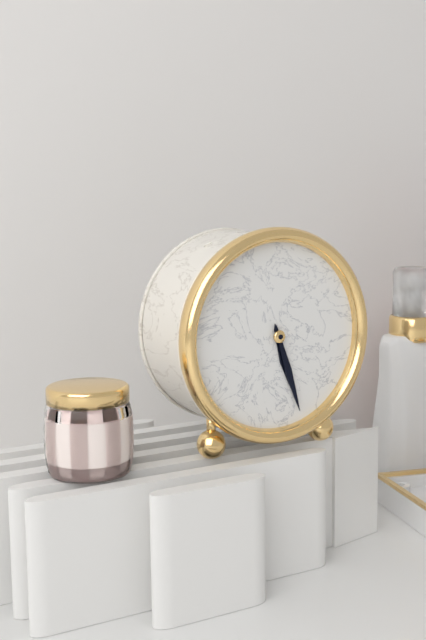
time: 5:27
